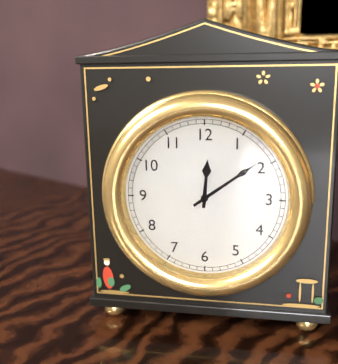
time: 12:09
